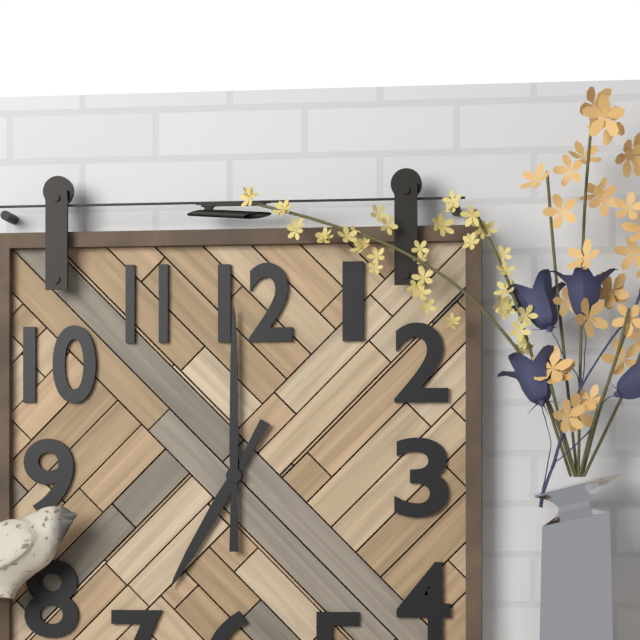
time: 7:00
